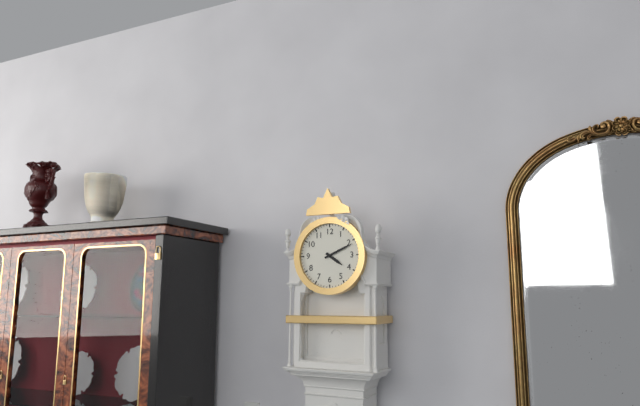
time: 4:11
